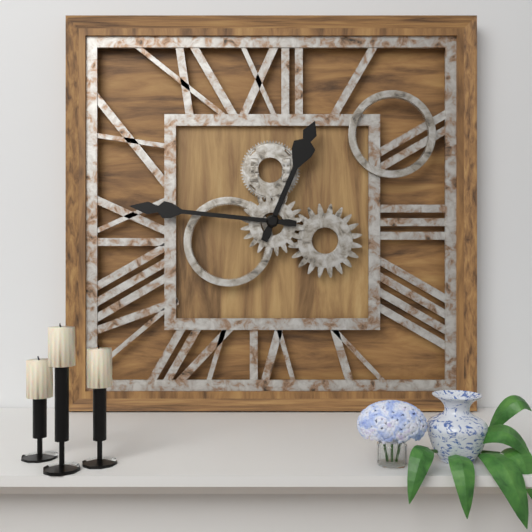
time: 12:46
